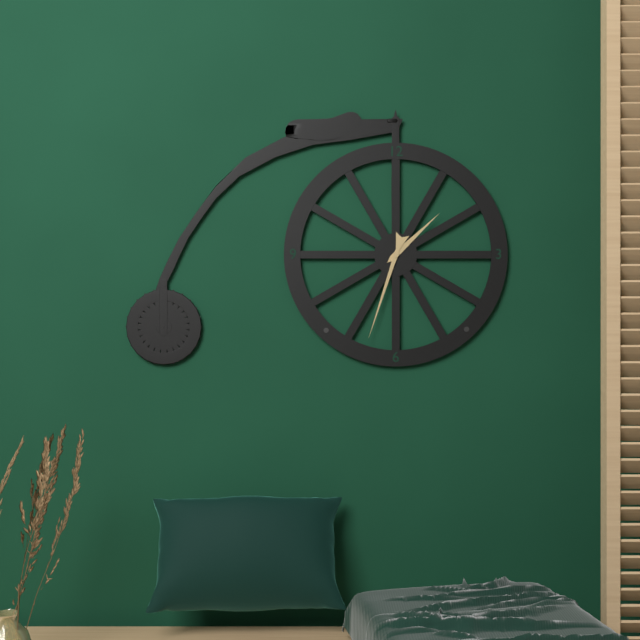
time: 1:33
